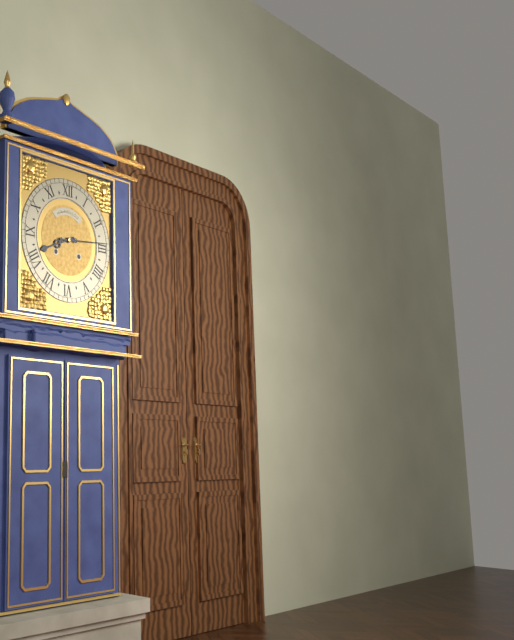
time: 8:14
